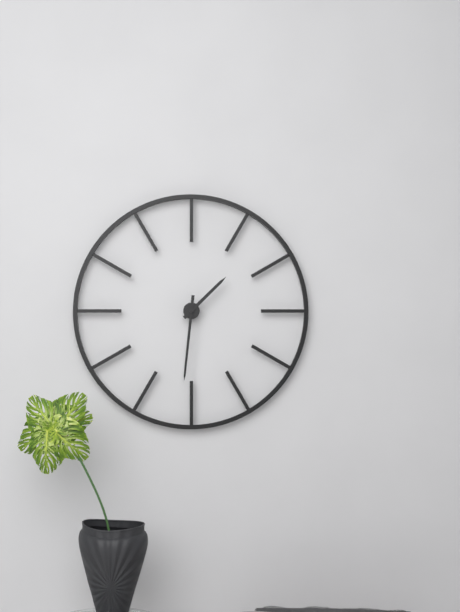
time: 1:31
